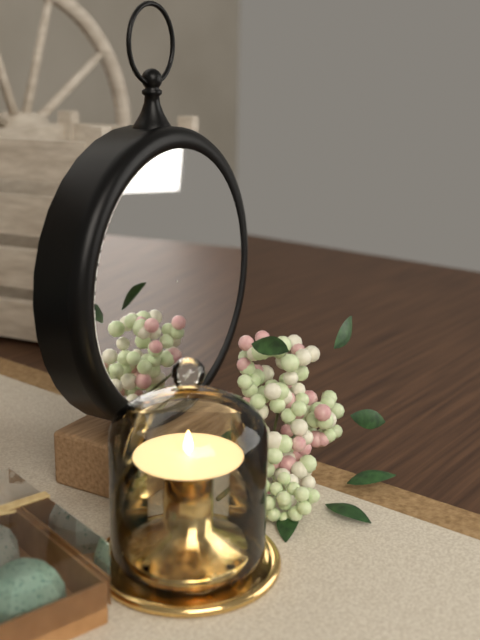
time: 2:44
